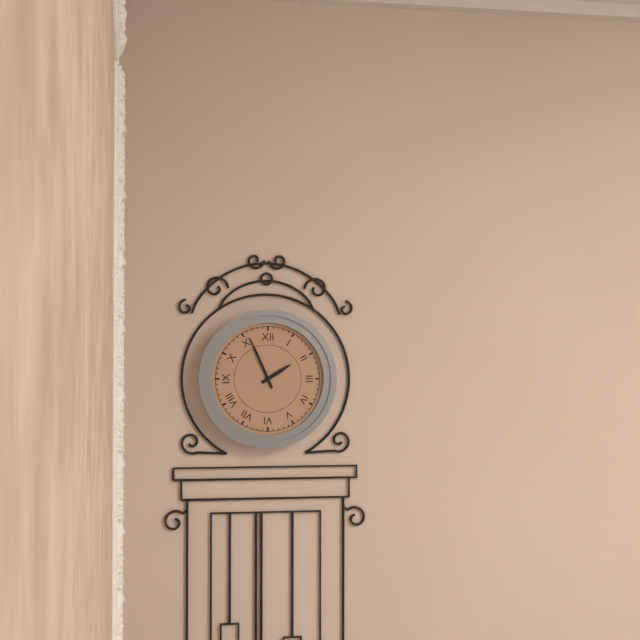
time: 1:56
